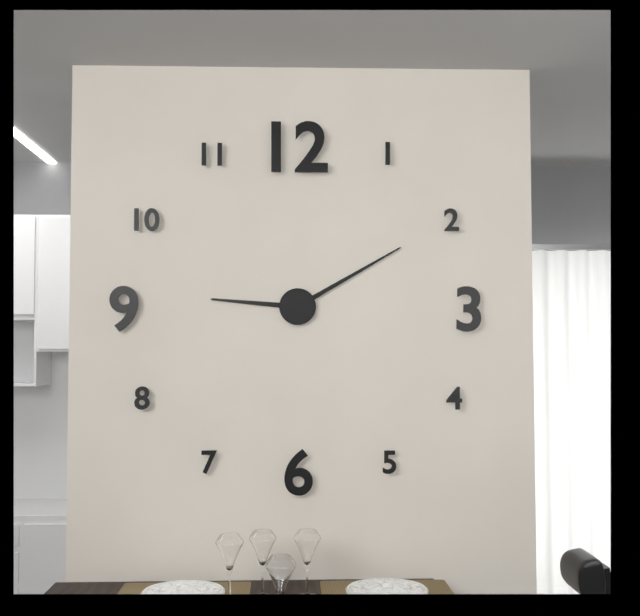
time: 9:10
